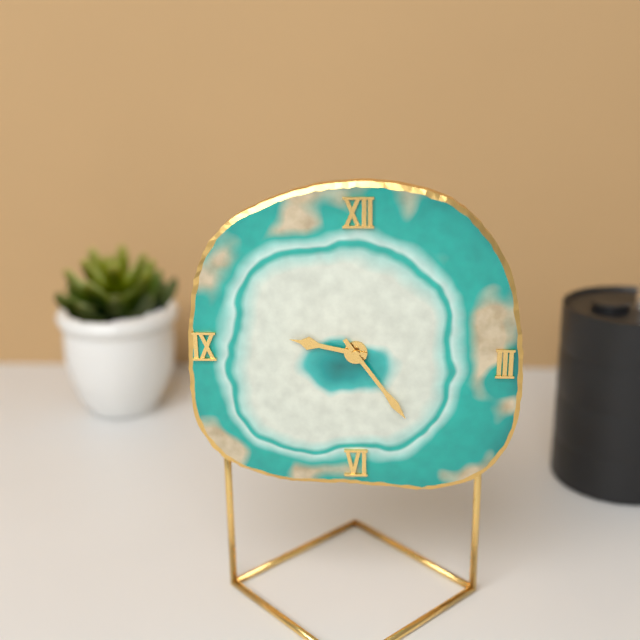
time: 9:24
